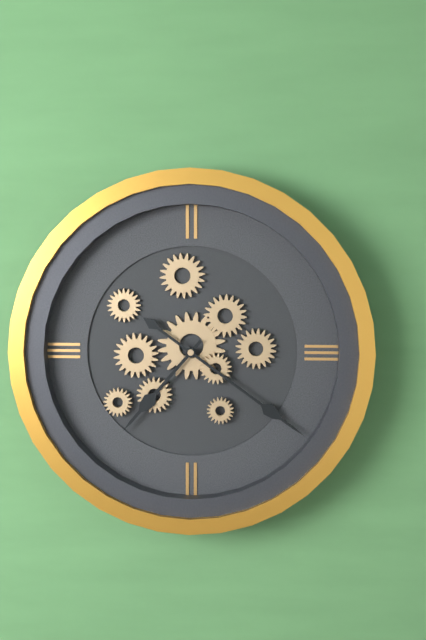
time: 7:21
